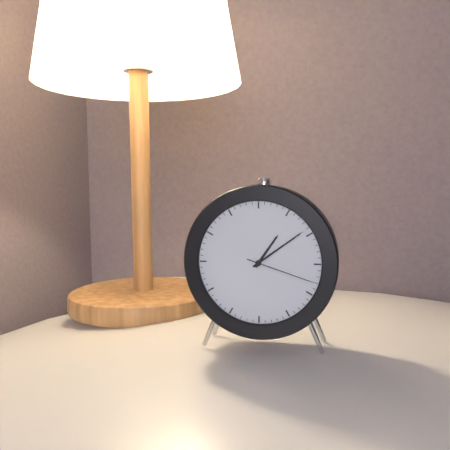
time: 1:09:18
